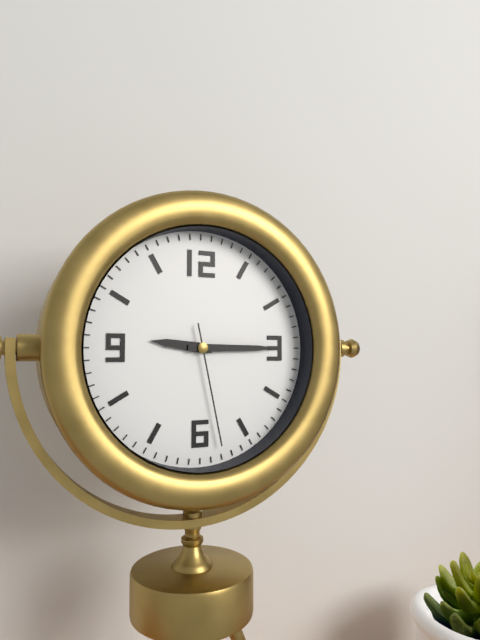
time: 9:15:28
